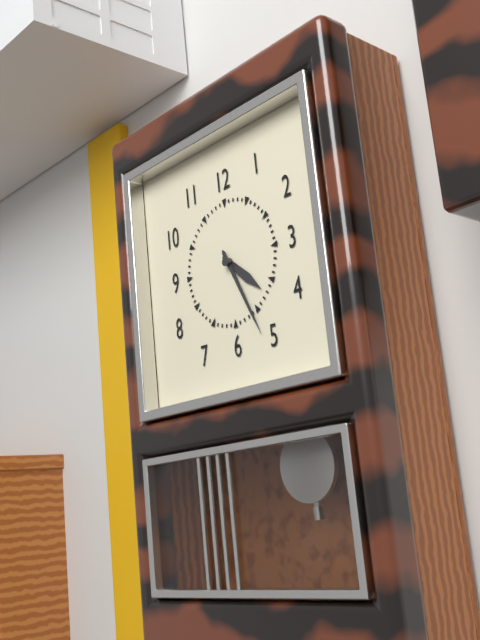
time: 4:26
